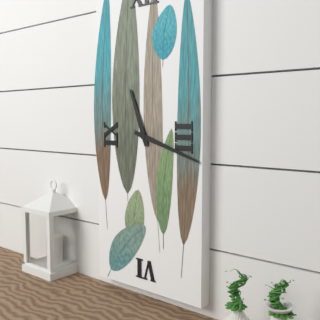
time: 11:18
